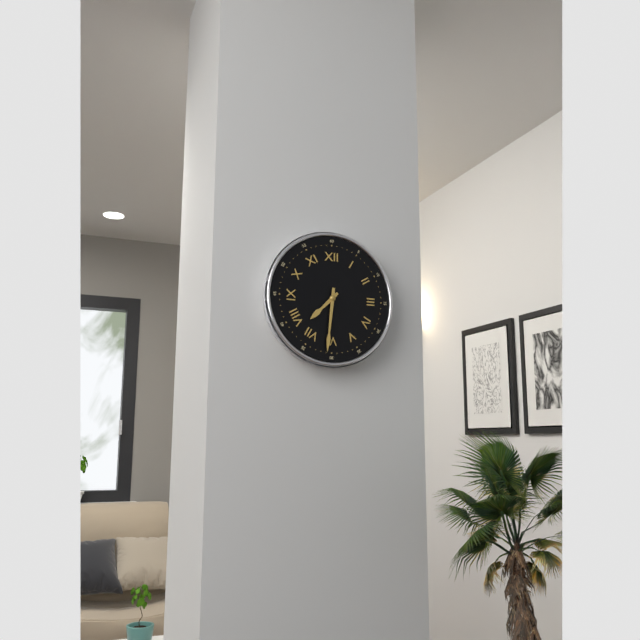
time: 7:31
